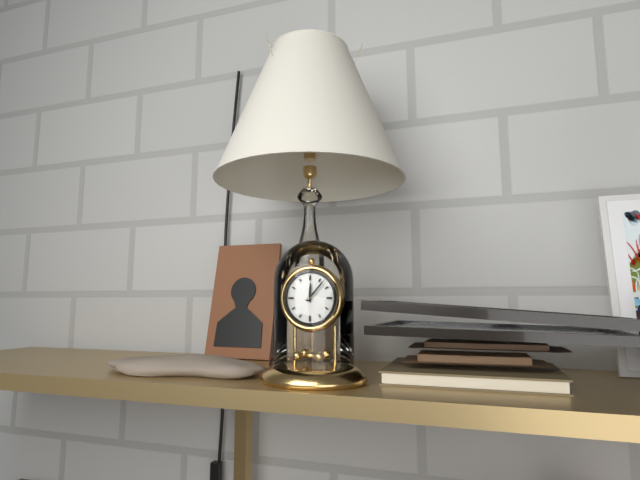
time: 12:07
